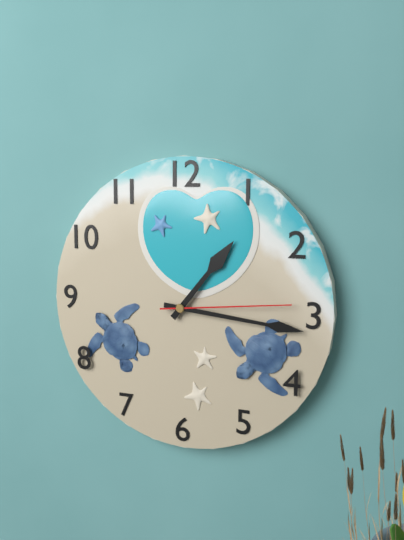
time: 1:16:14
